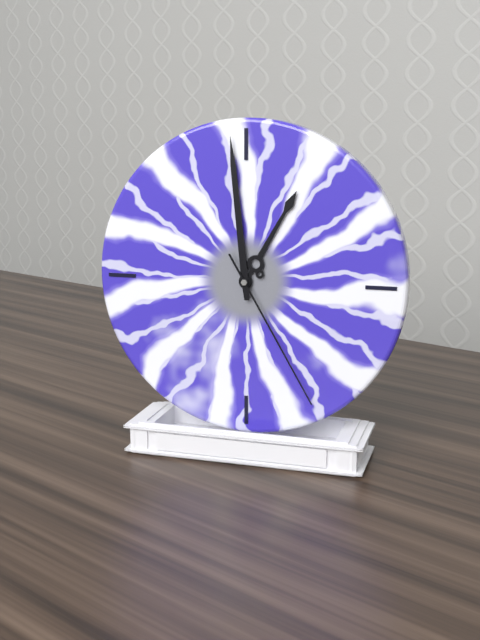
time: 12:59:25
